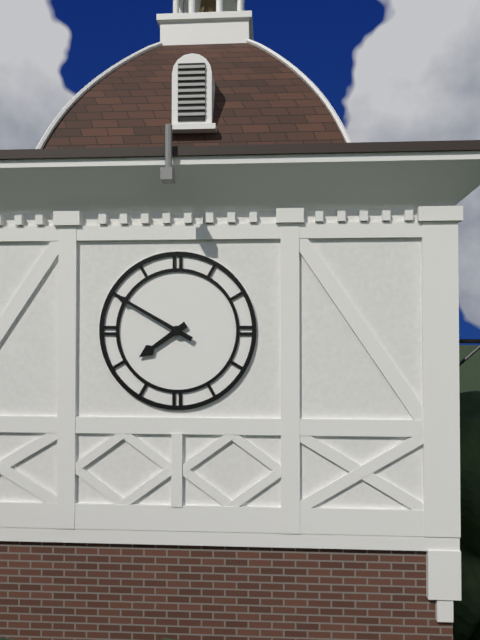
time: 7:50
